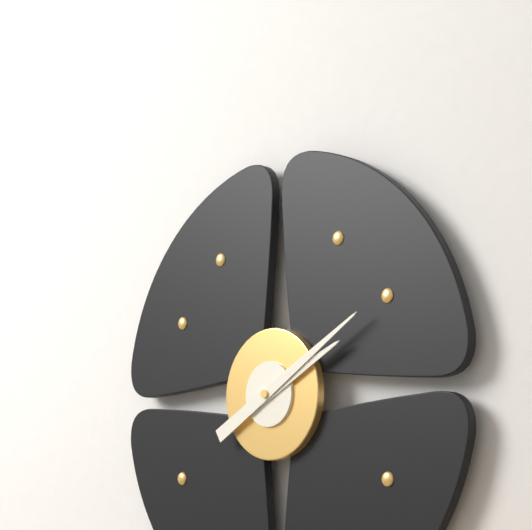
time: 2:10
